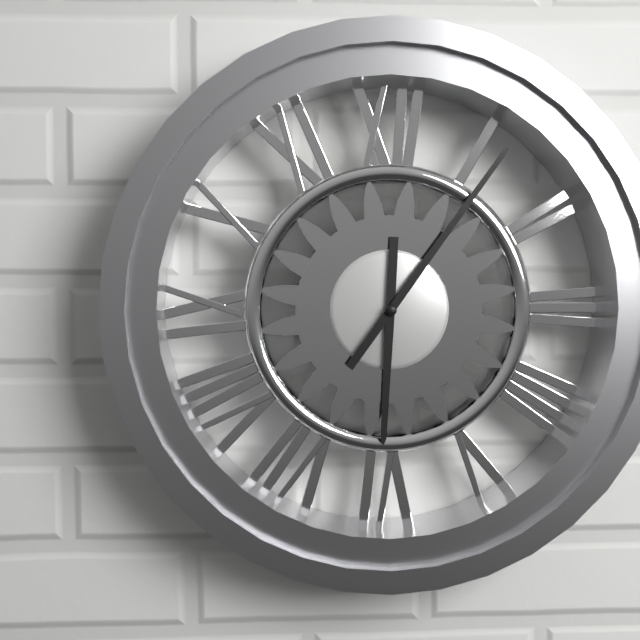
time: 6:06
